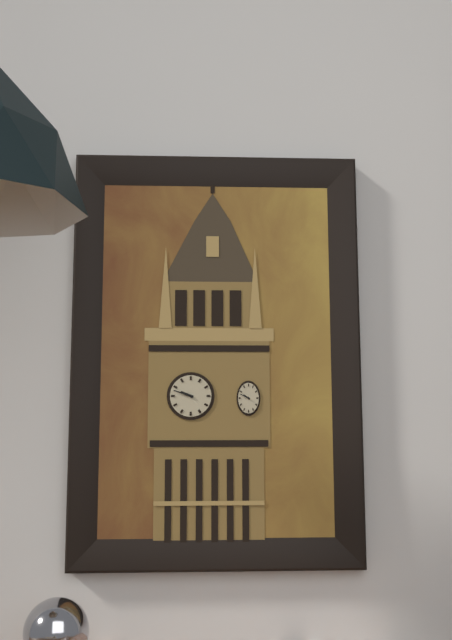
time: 9:48
